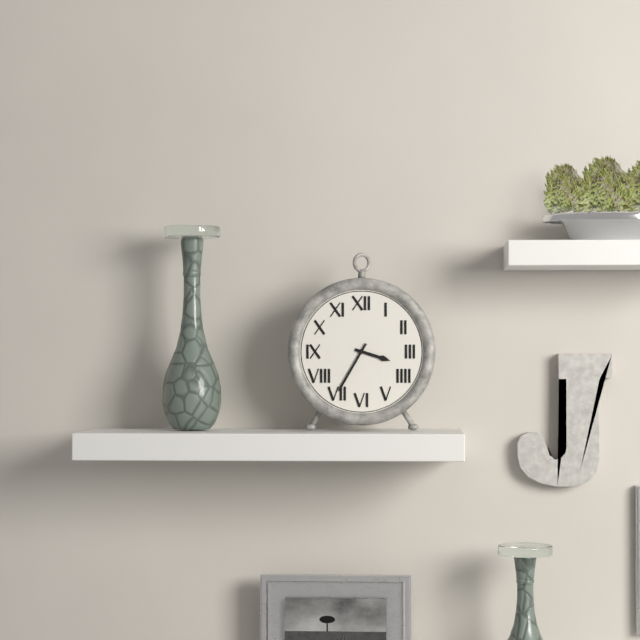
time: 3:35
